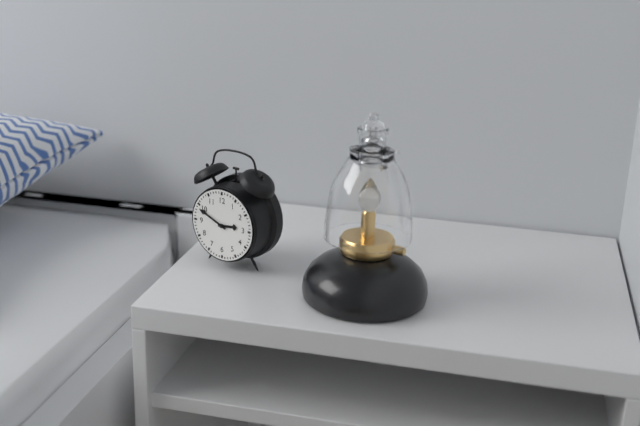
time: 2:49
